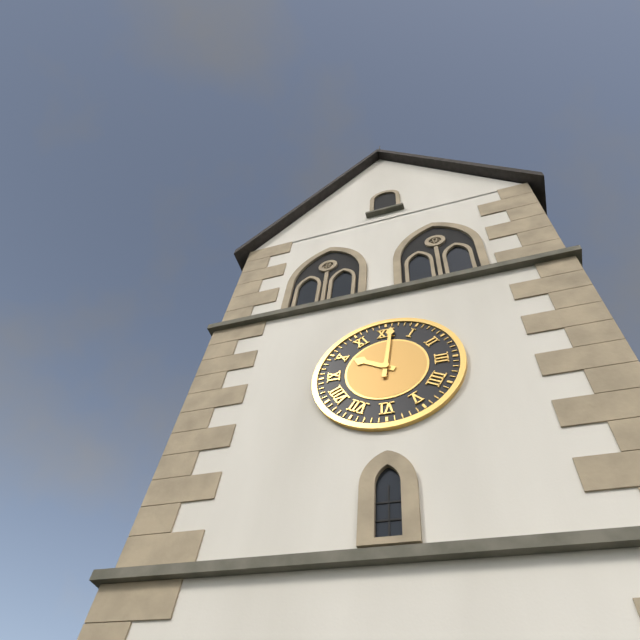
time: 10:01
